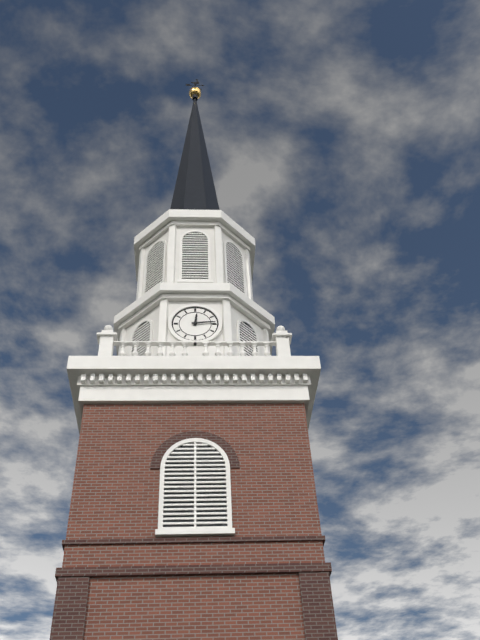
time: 12:14
